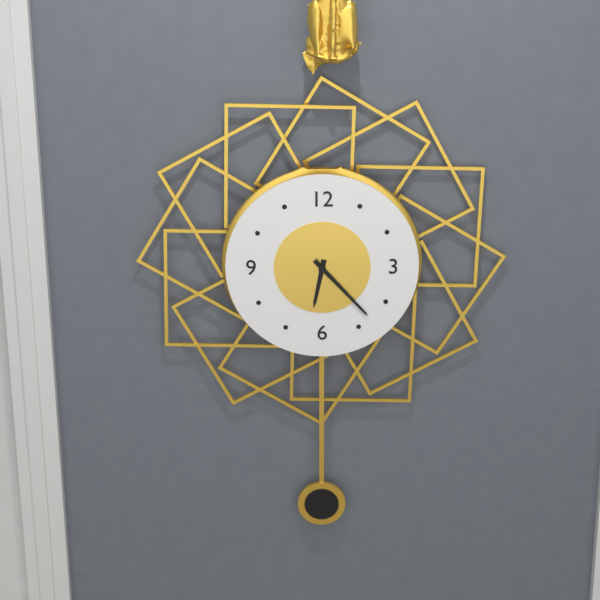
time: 6:23
